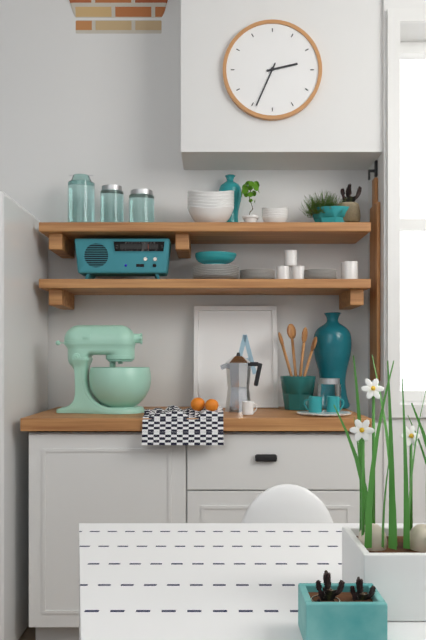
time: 2:34
